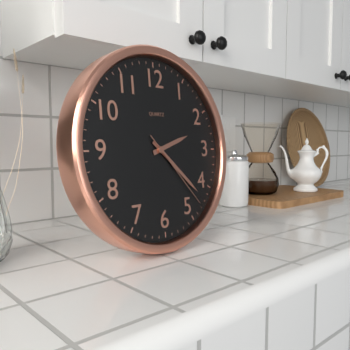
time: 2:22:23
